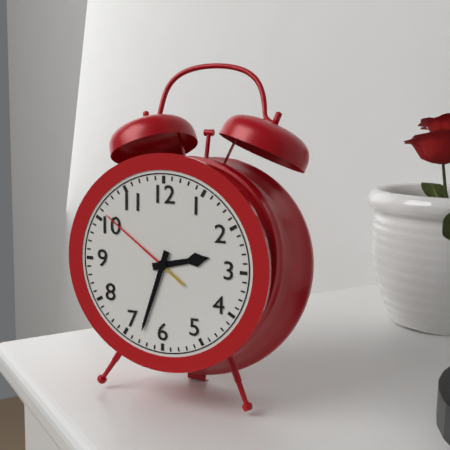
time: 2:33:51
